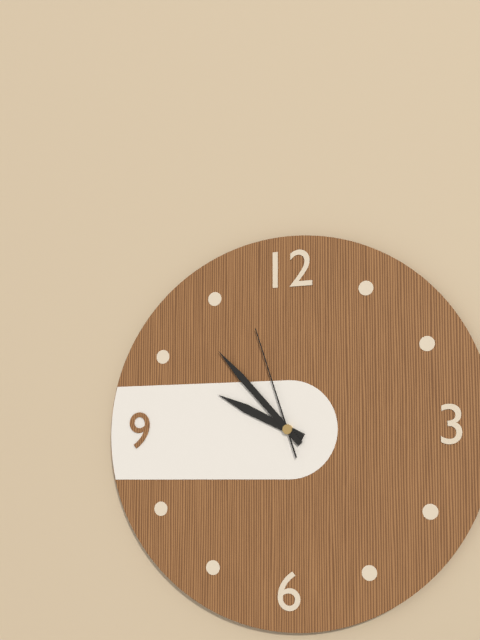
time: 9:53:57
